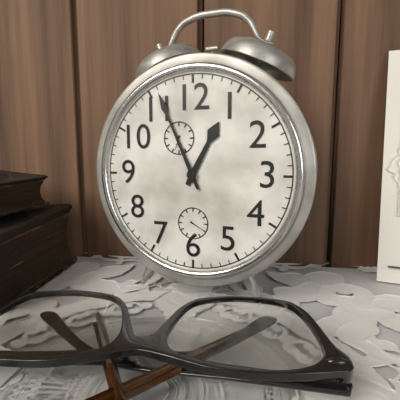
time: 12:56
